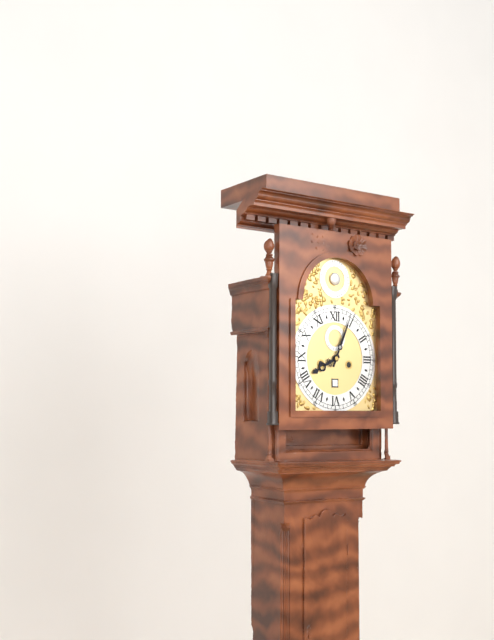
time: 8:04
